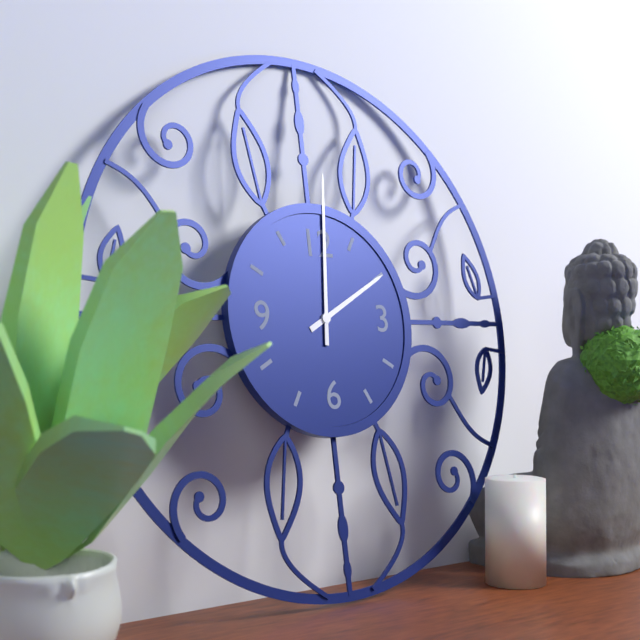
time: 2:01
